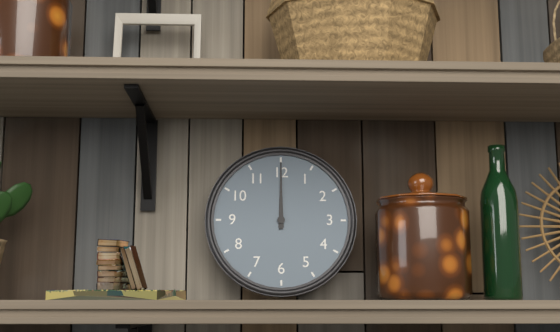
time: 12:00
